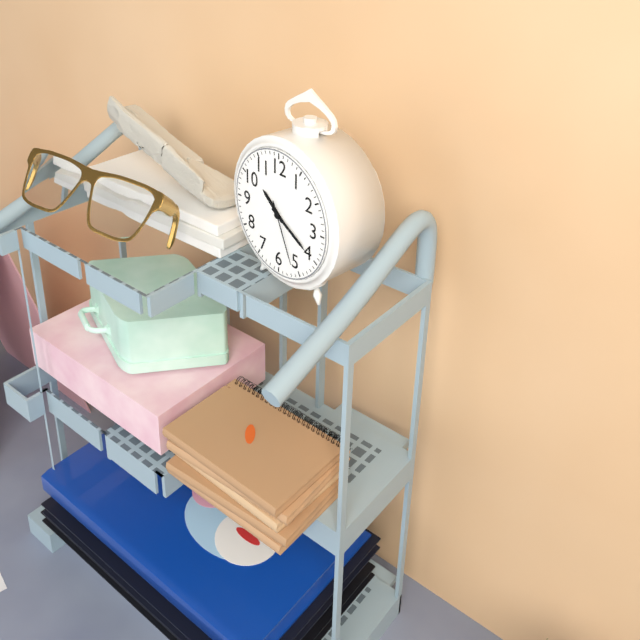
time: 10:20:26
